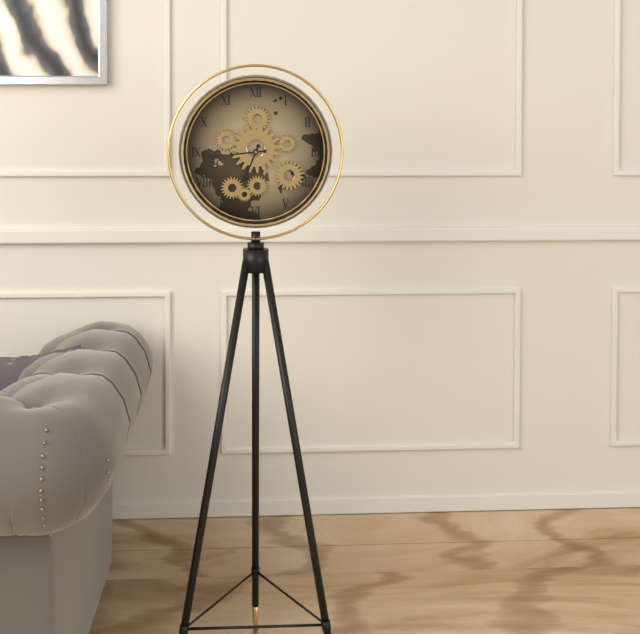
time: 6:44
